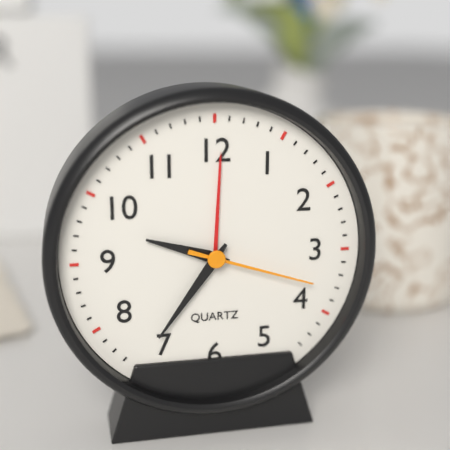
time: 9:36:18
